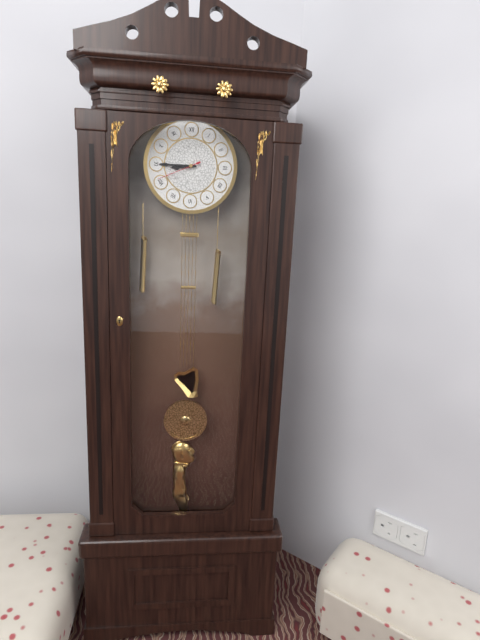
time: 8:45
